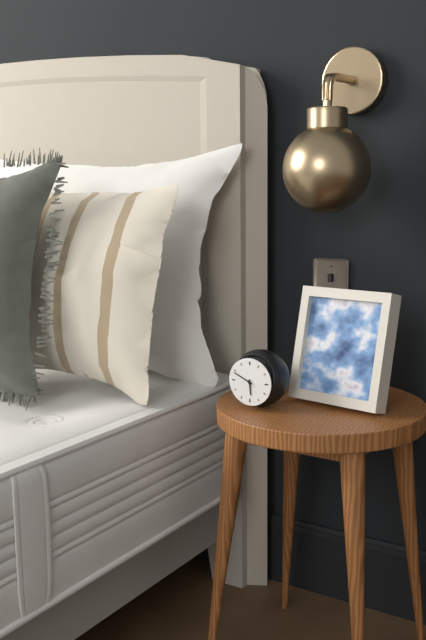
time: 5:49
